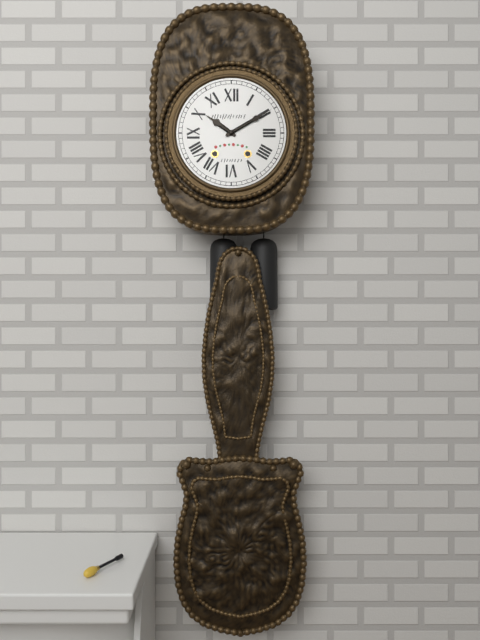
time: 10:10
